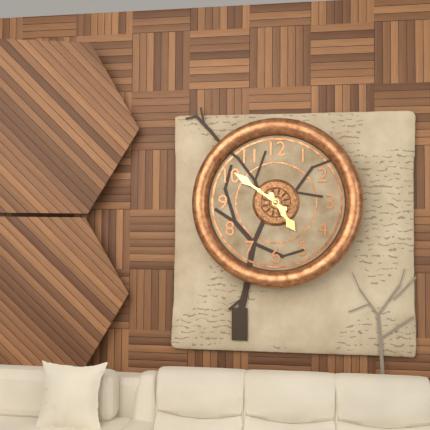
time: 4:51
